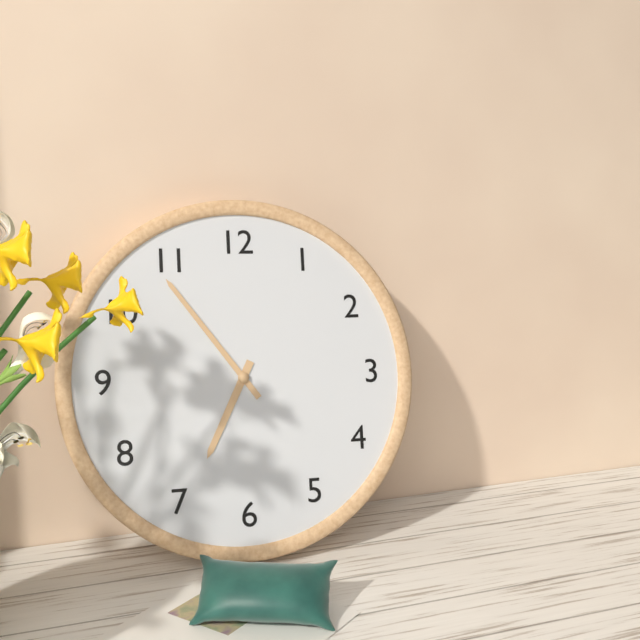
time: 6:54
